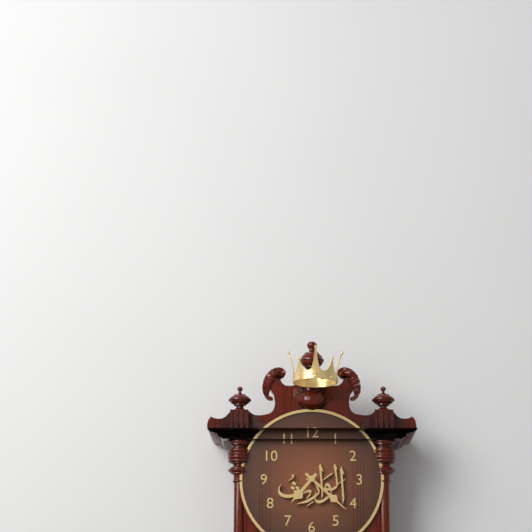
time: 7:22
